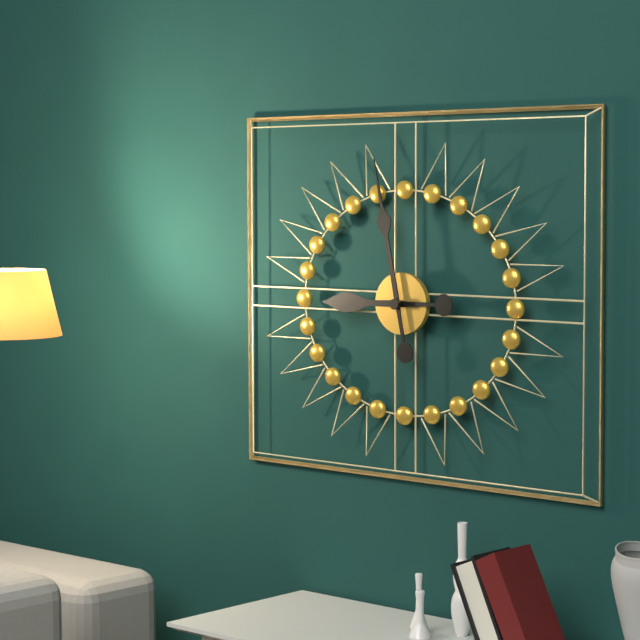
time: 8:58
